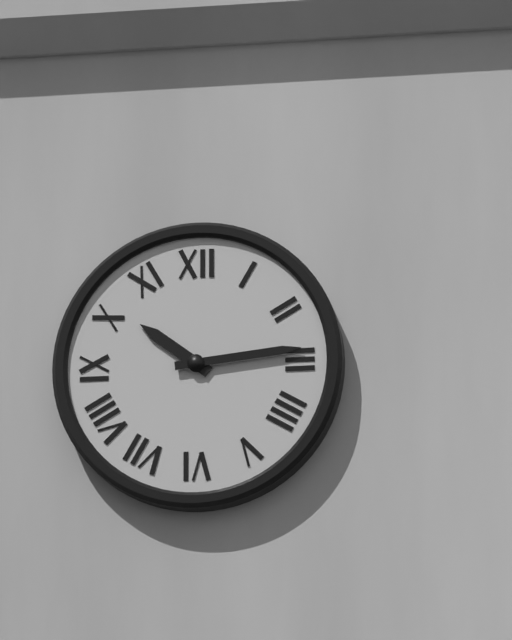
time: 10:14
